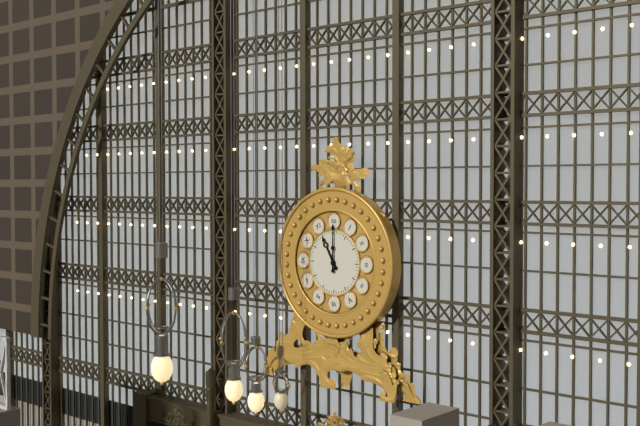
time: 11:00
